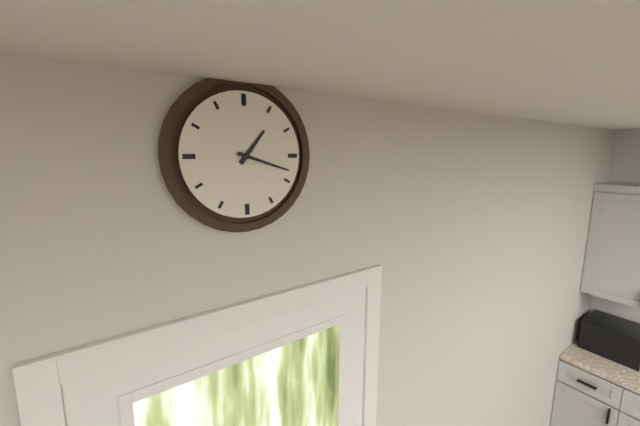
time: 1:18
